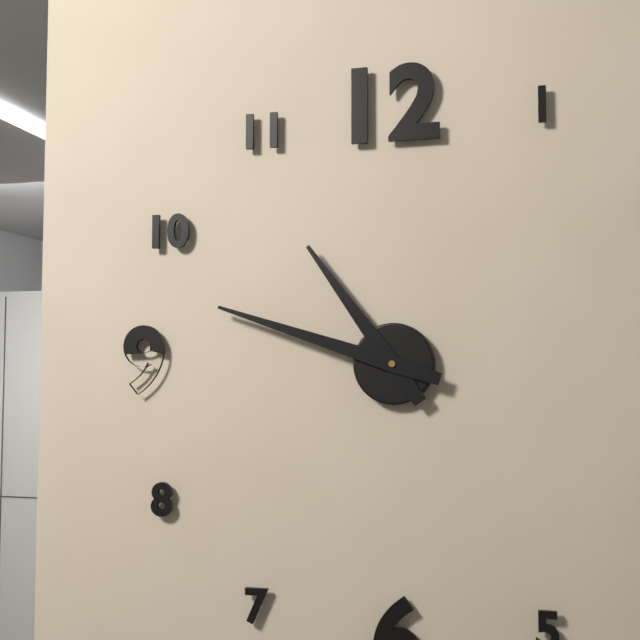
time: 10:48
